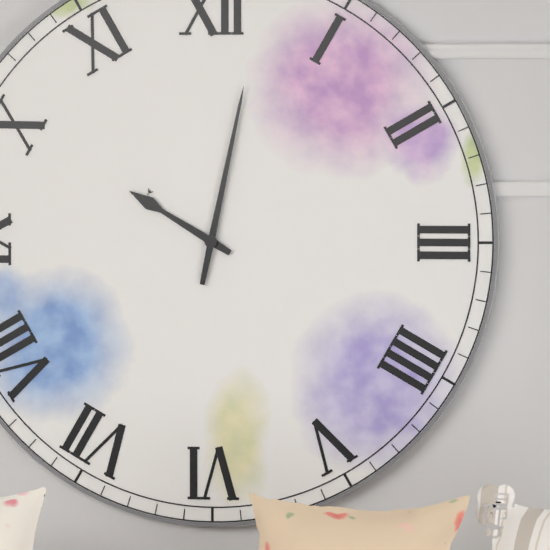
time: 10:02
